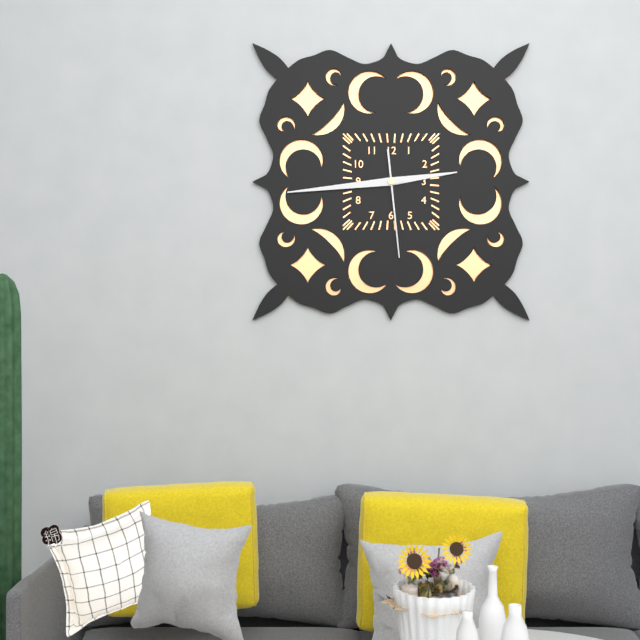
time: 2:44:29
